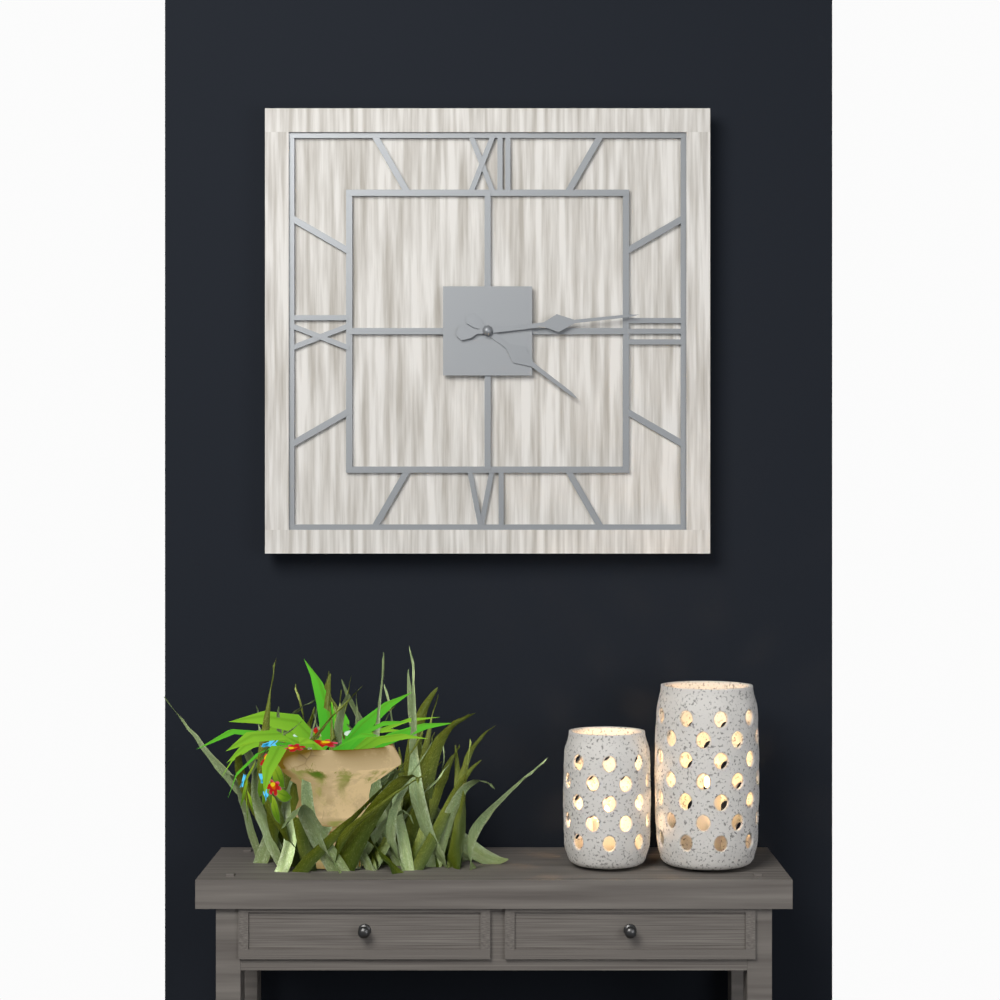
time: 4:14
